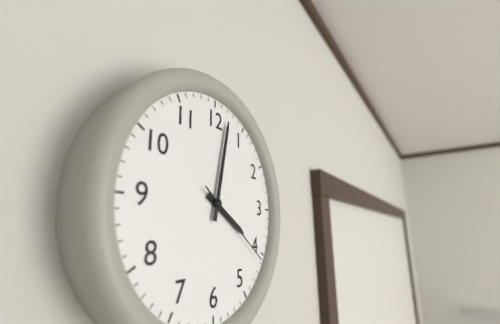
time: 4:02:21
